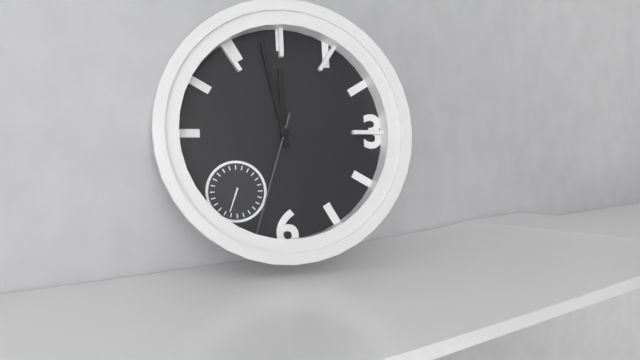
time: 11:58:33
